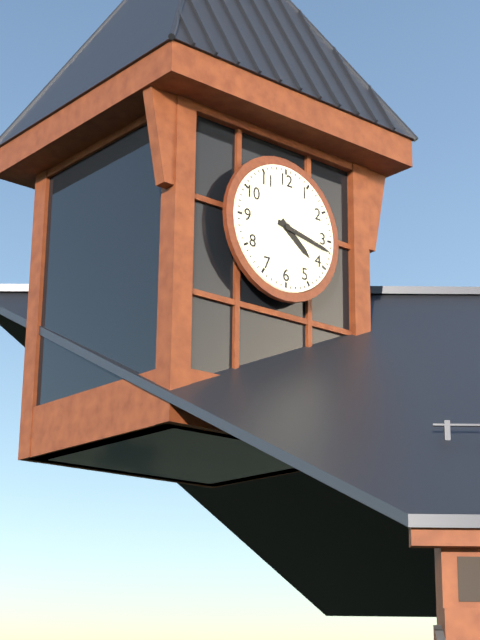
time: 4:17
